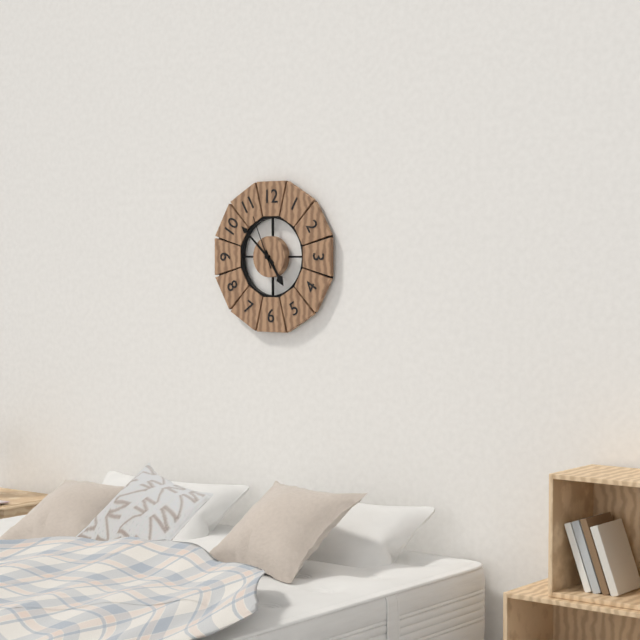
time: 4:52:56
